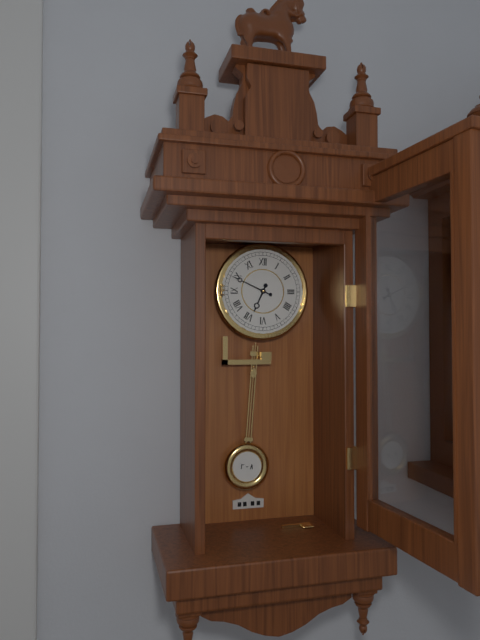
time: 6:49
